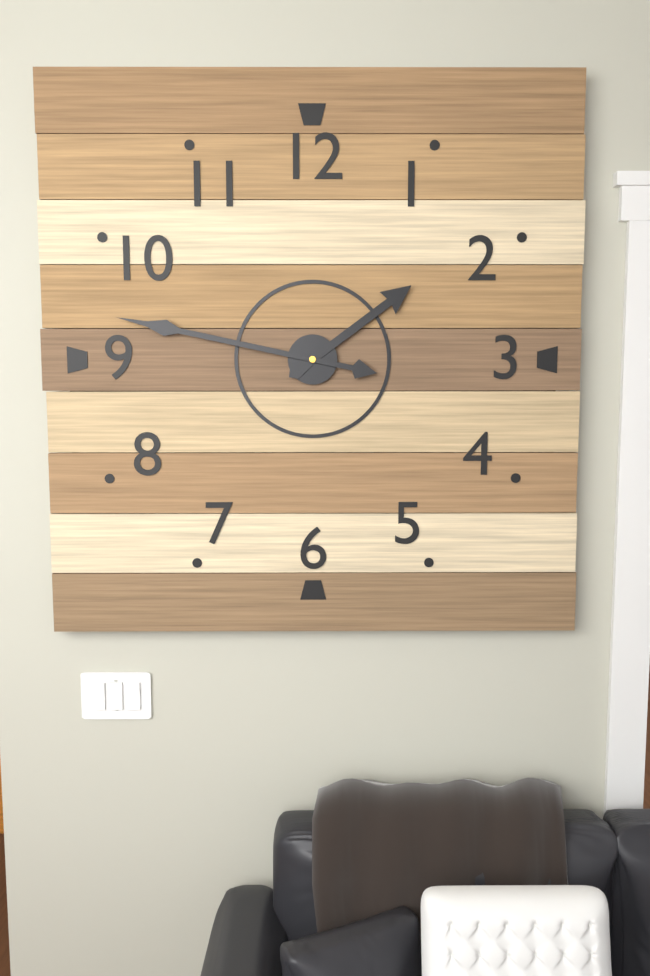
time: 1:47
